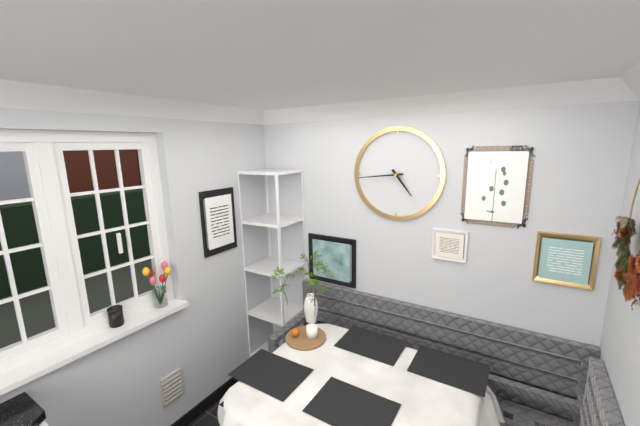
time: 4:44
